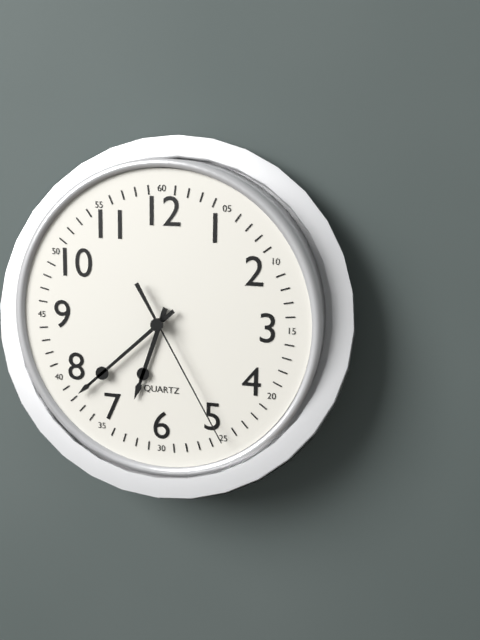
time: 6:38:25
